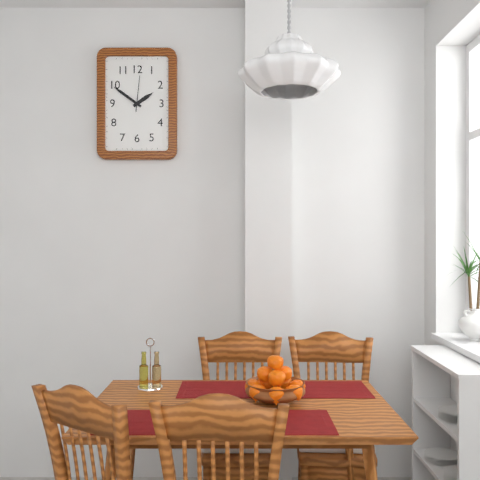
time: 1:51
